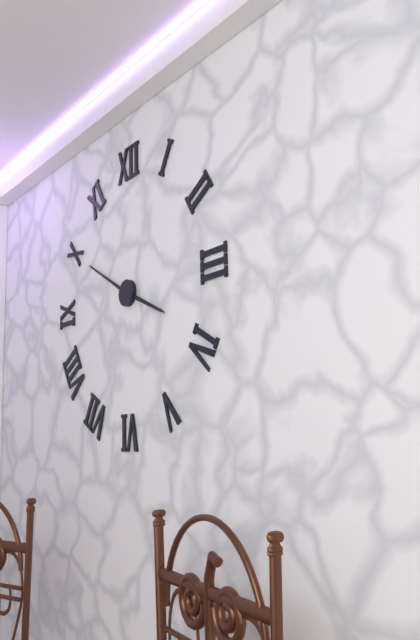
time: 3:50
